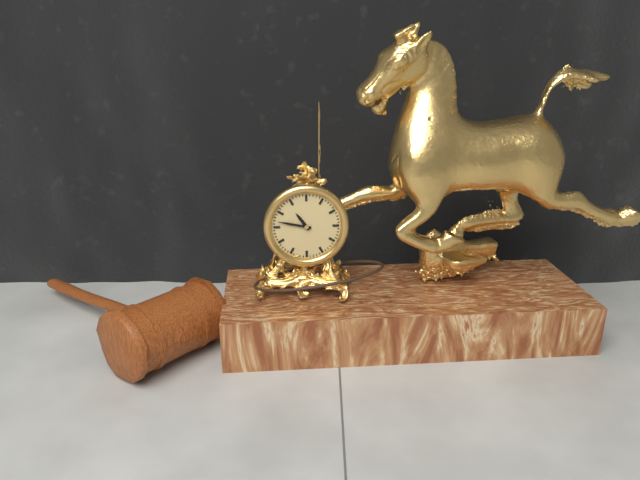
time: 10:47
